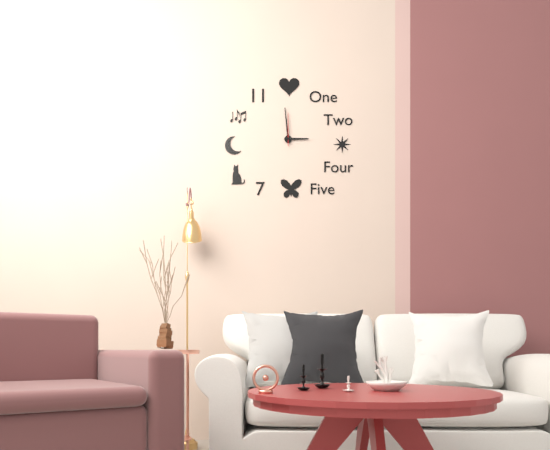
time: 2:59
